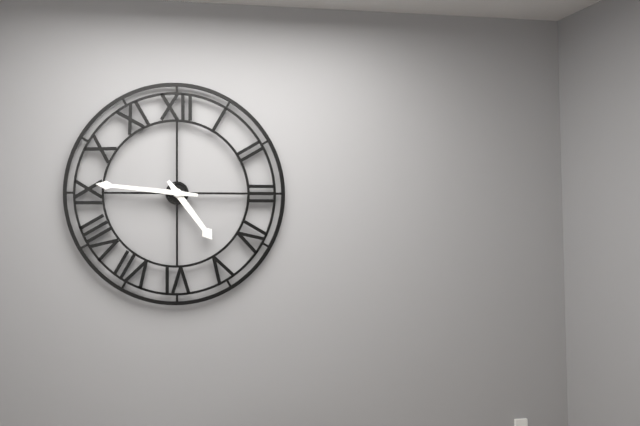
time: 4:46
